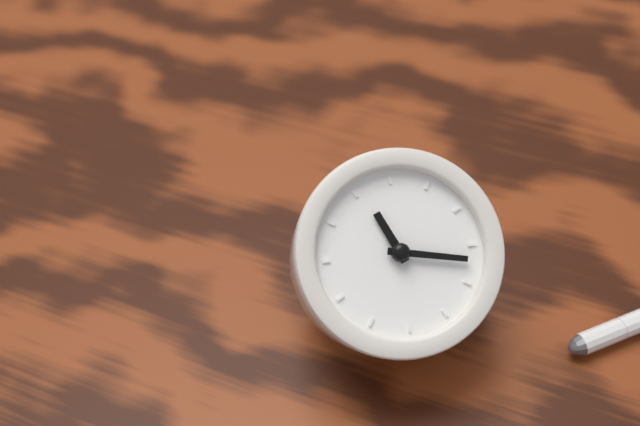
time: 10:12
